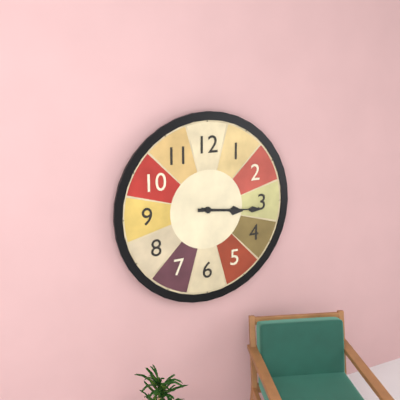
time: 3:16
